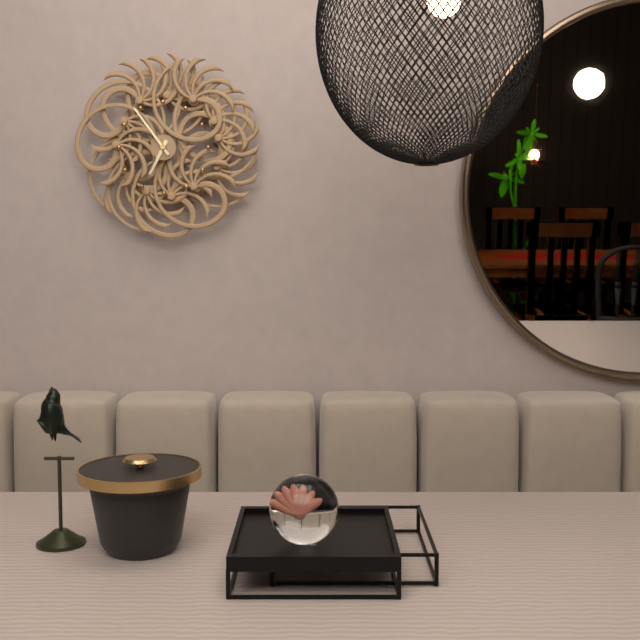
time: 6:54
